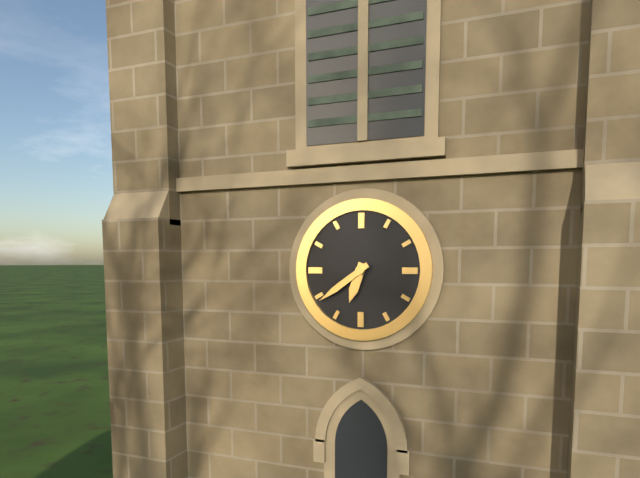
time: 6:39
